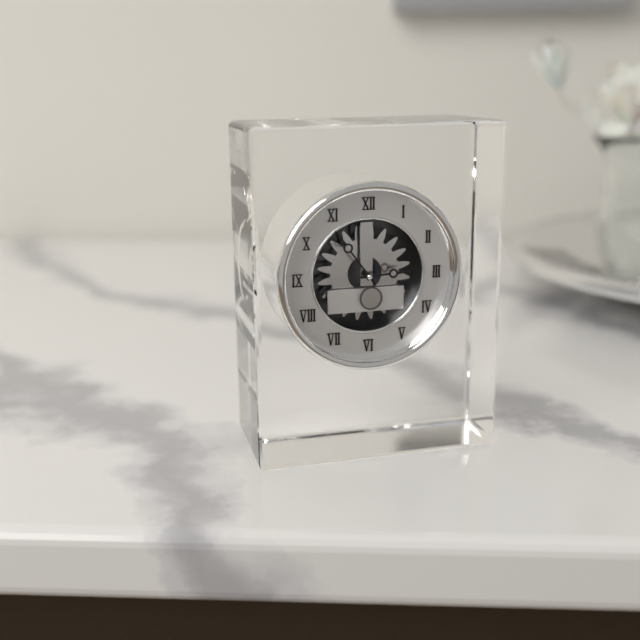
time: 2:54
